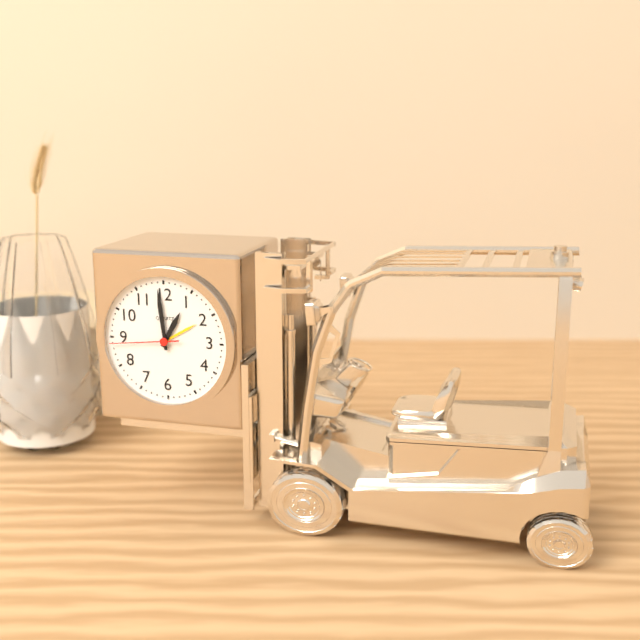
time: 12:59:44
